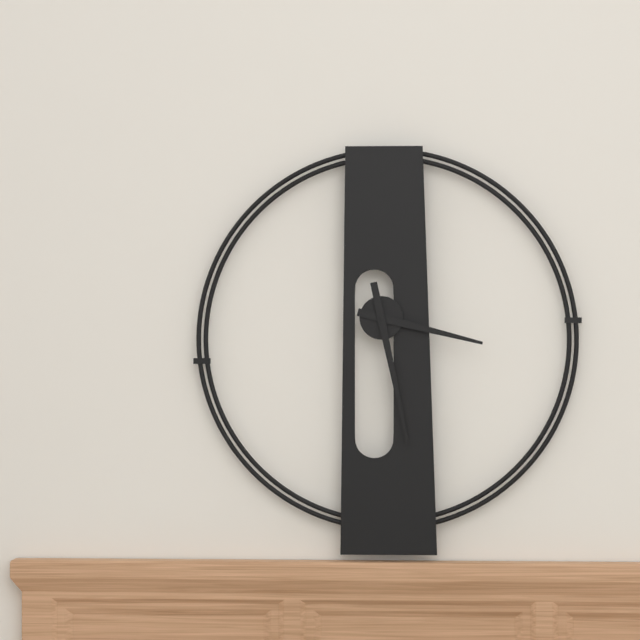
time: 3:28
